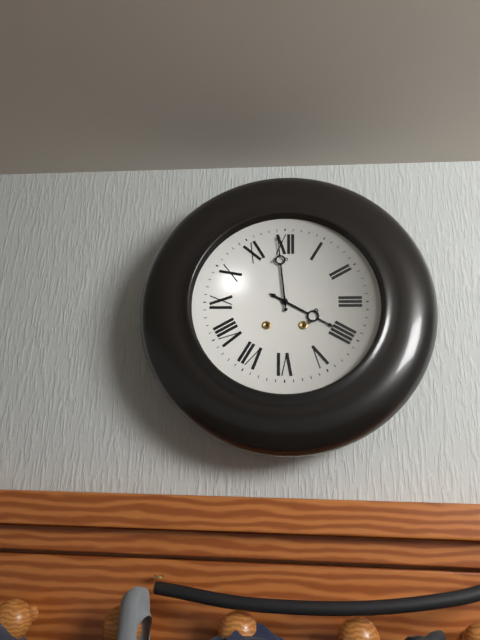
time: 3:59
